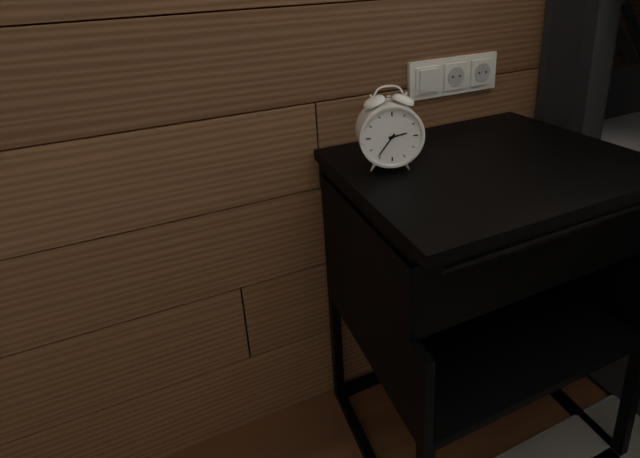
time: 2:36
